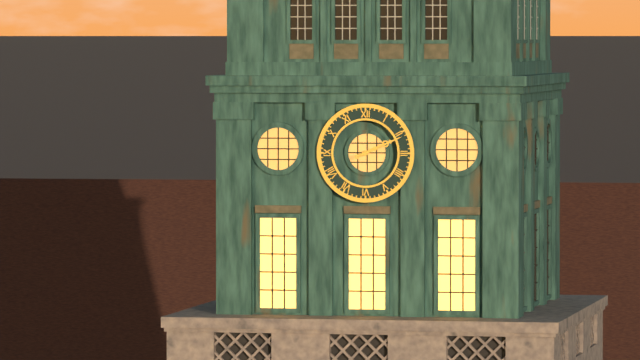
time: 2:11
